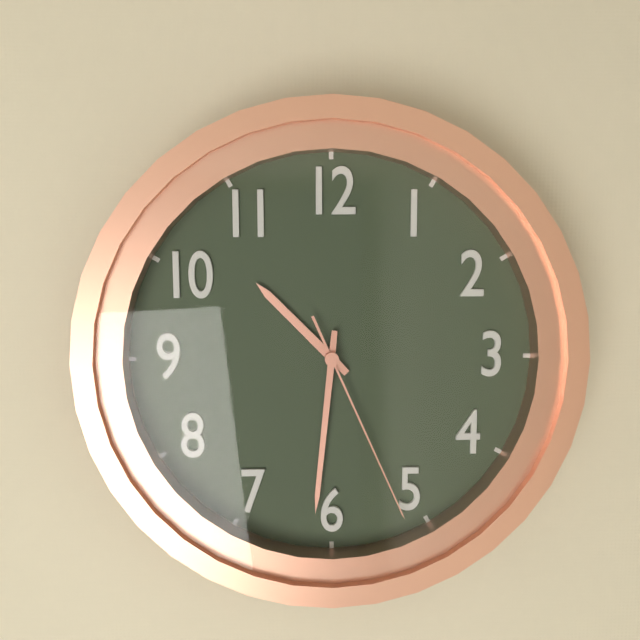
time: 10:31:26
